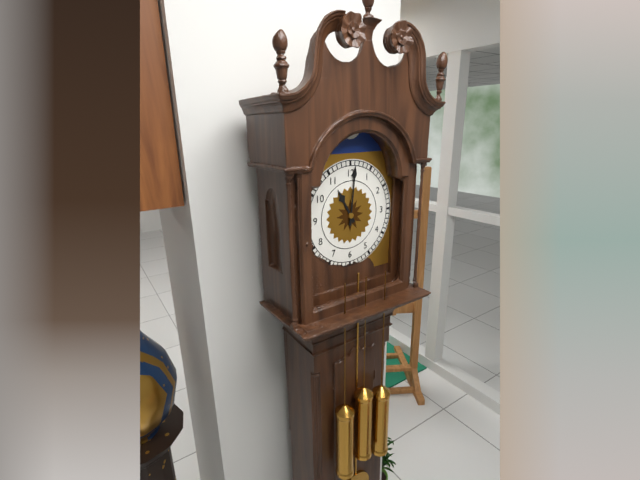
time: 11:01
